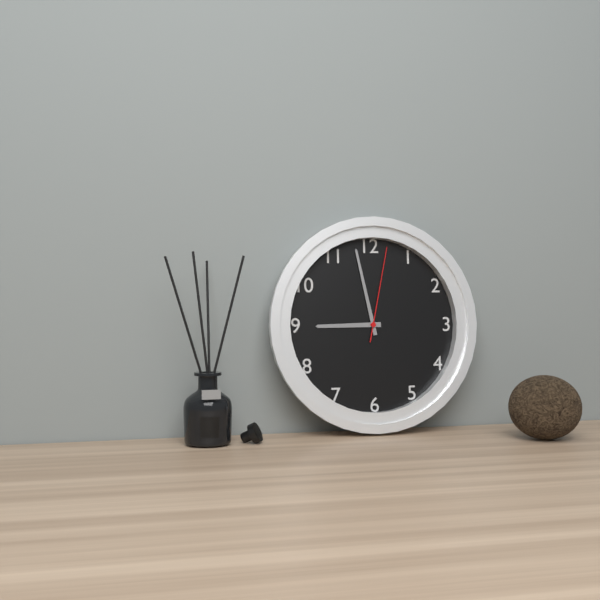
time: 8:58:02
